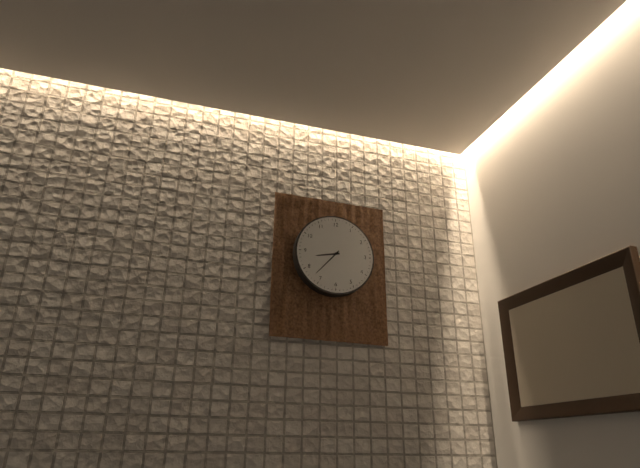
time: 8:37
